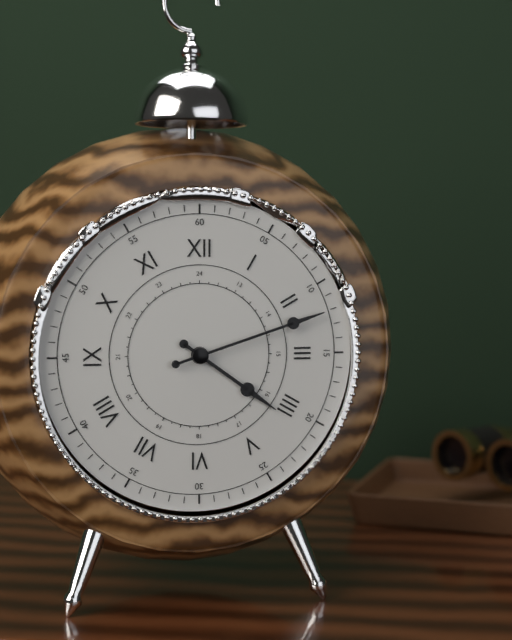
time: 4:12
